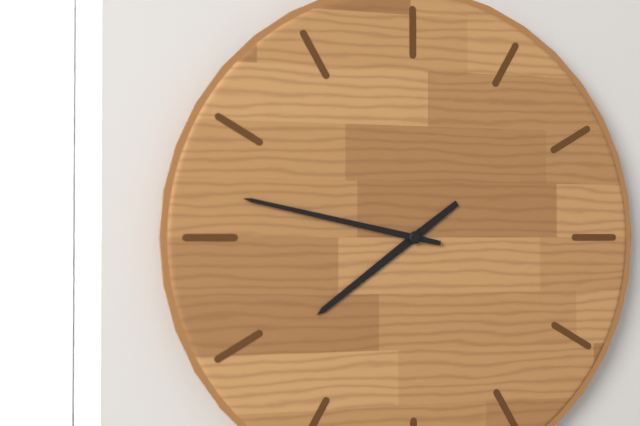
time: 7:47
